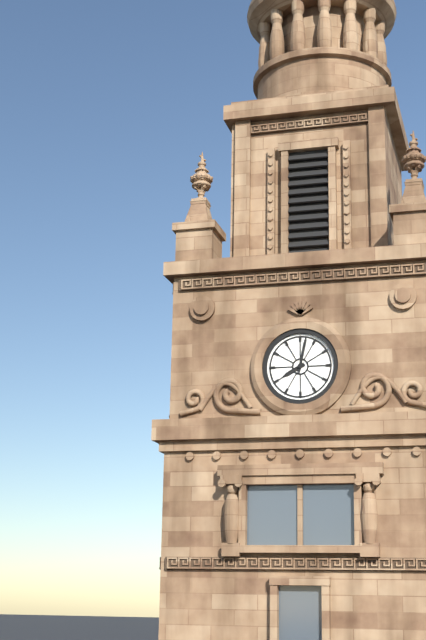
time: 8:02
